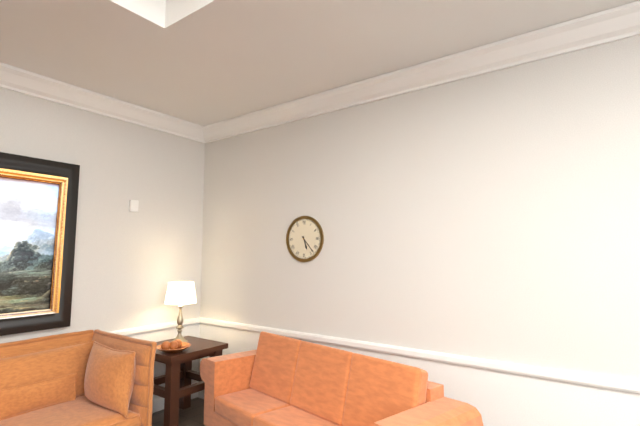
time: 5:23
